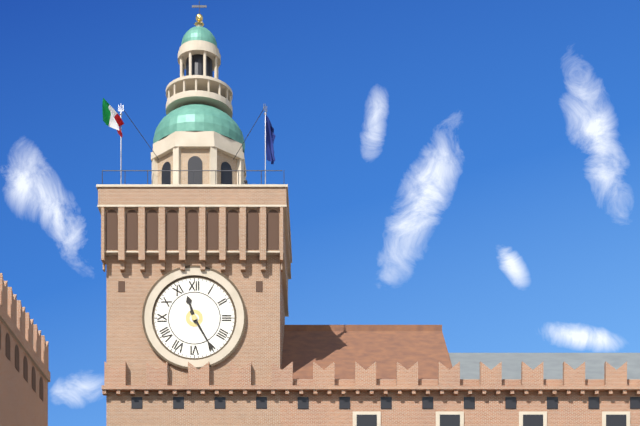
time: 11:25
